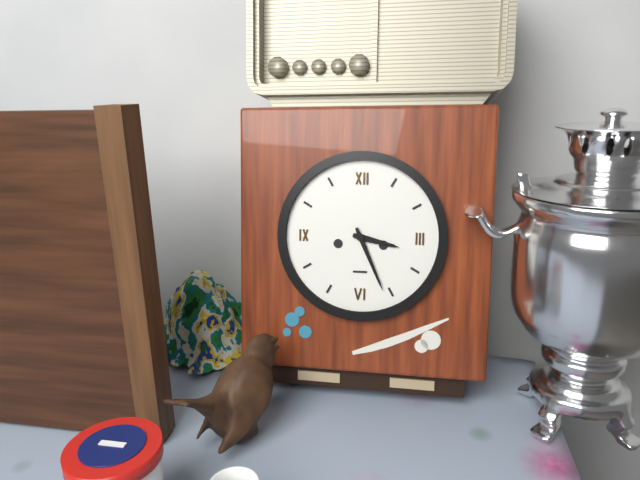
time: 3:26
